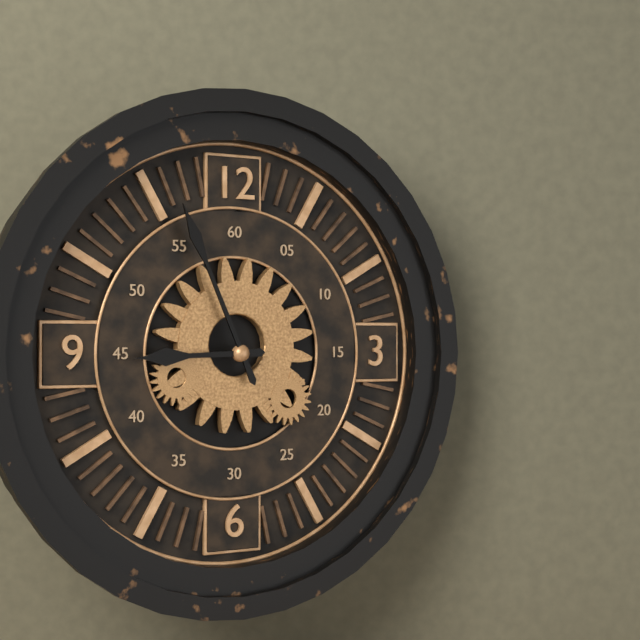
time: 8:56
